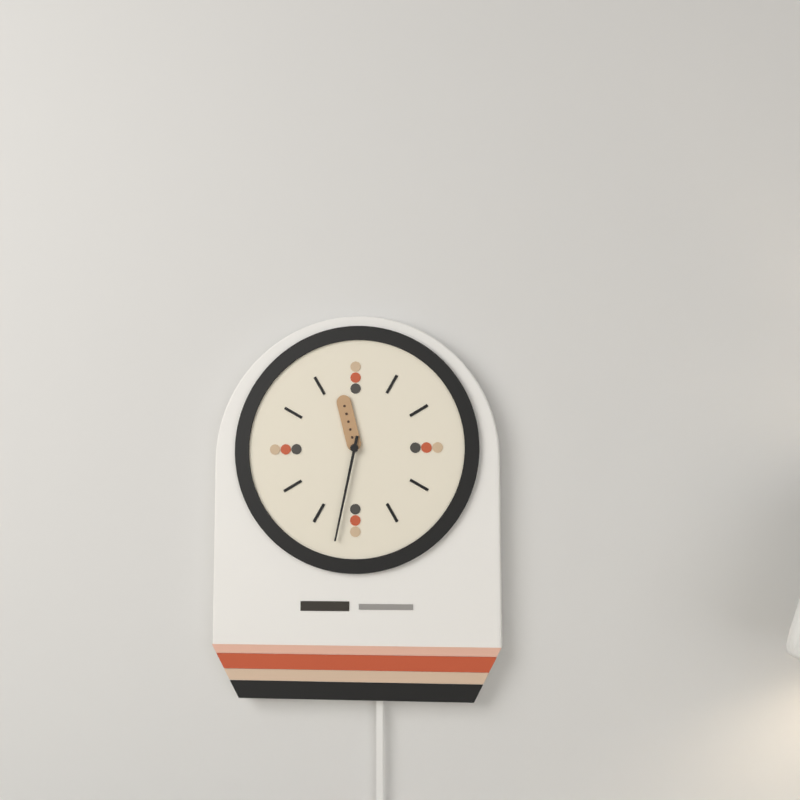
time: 11:32
